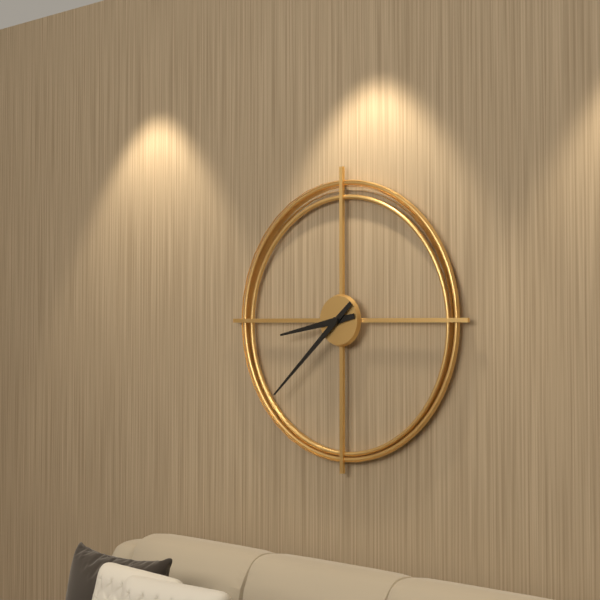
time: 8:38
